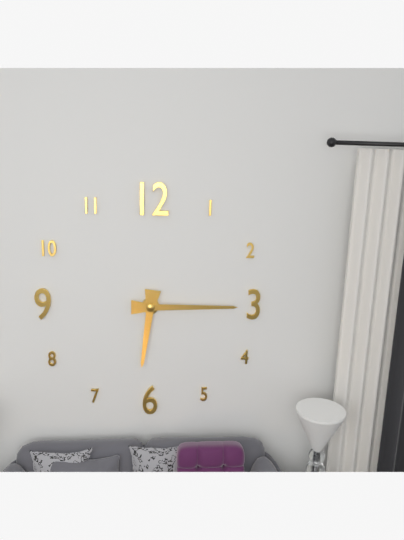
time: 6:15
